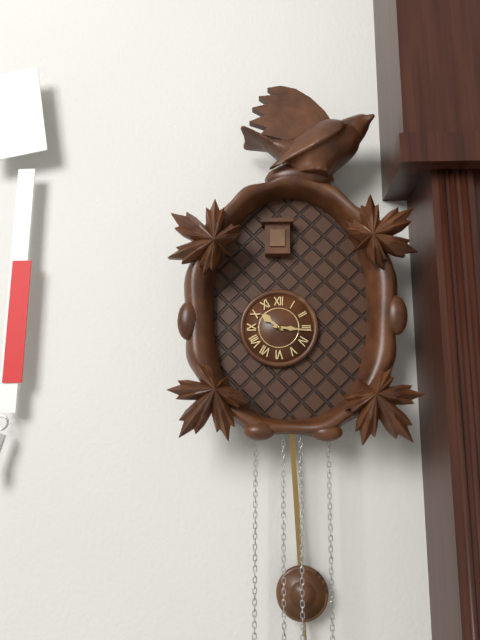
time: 10:16
